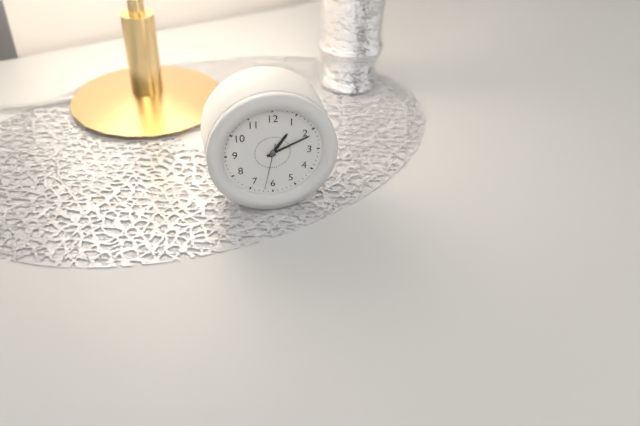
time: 1:11
